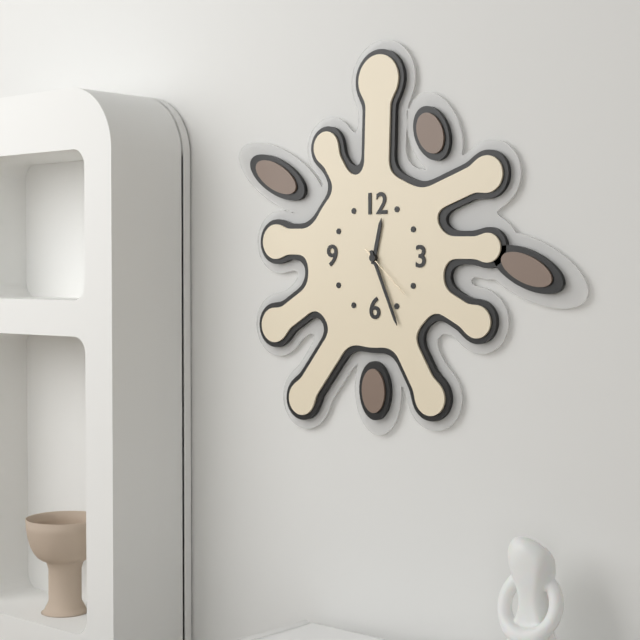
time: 12:26:22
